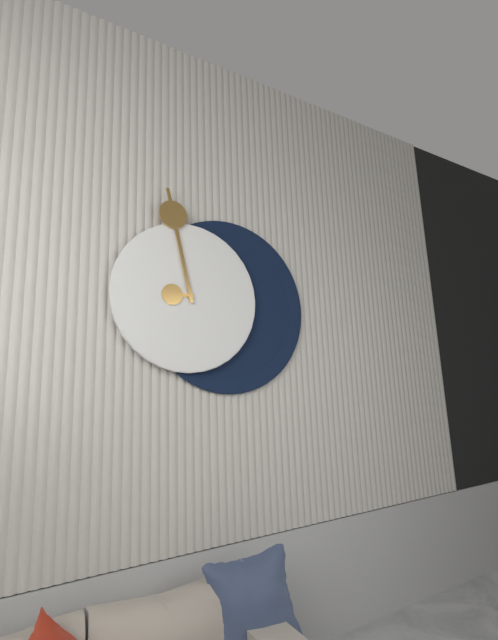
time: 8:58
